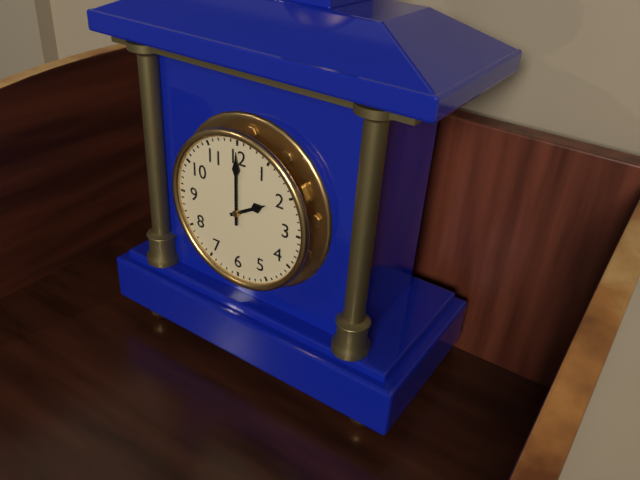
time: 2:00
